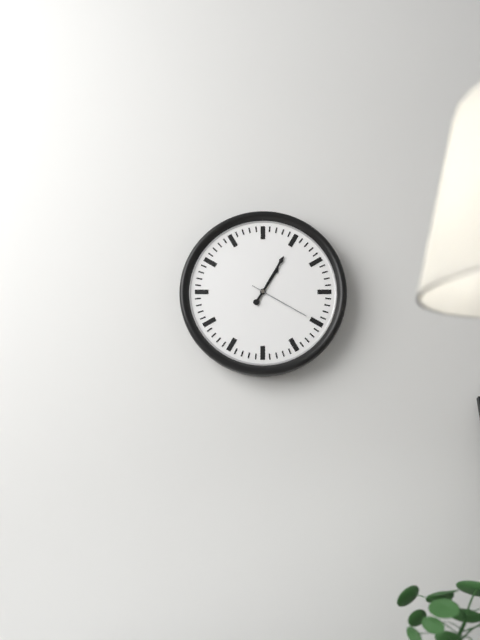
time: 1:05:20
